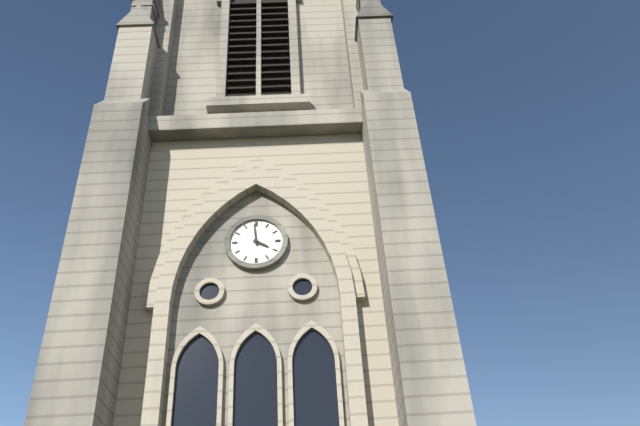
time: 3:59
